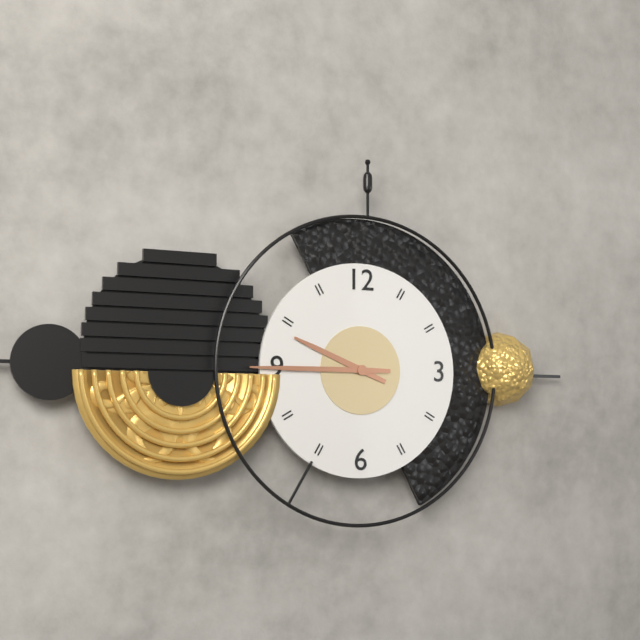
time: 9:45
